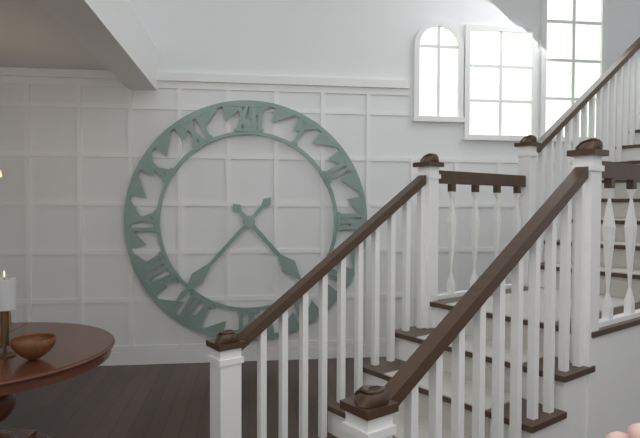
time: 4:37
